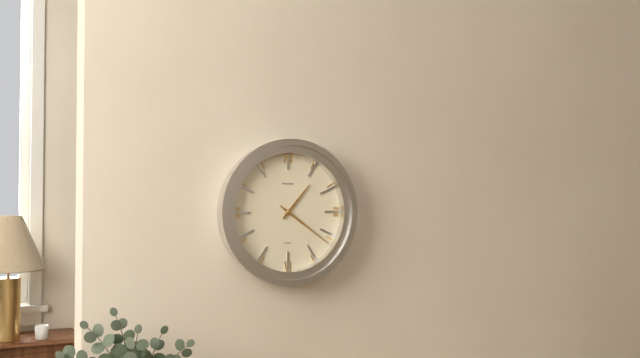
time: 1:21
